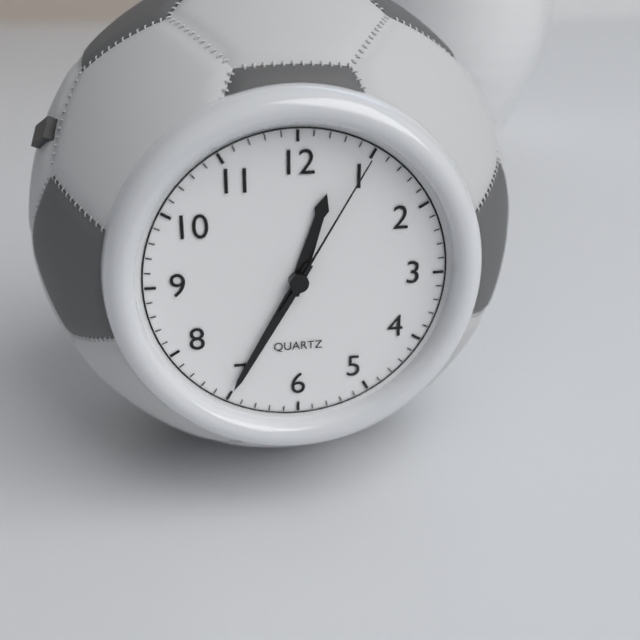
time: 12:35:05
